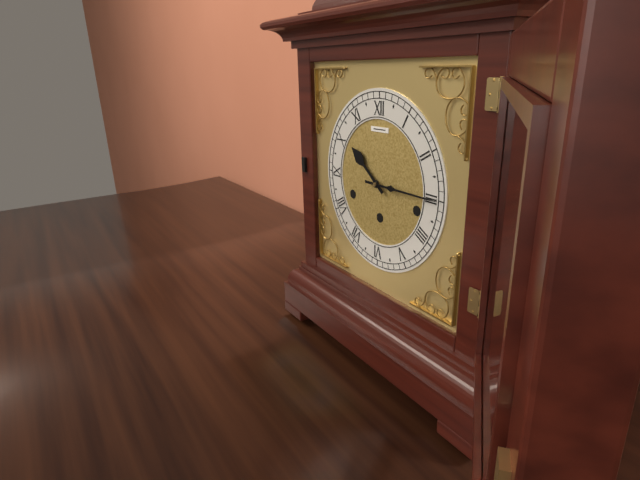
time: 10:15
